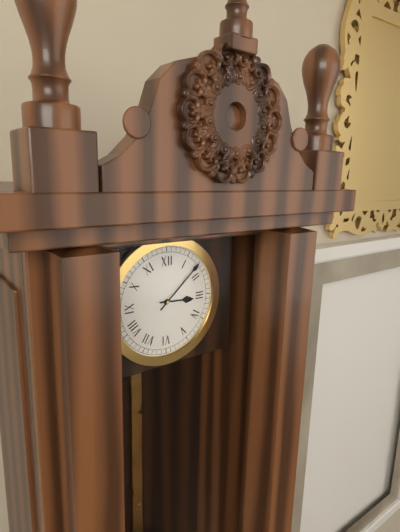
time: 3:08
